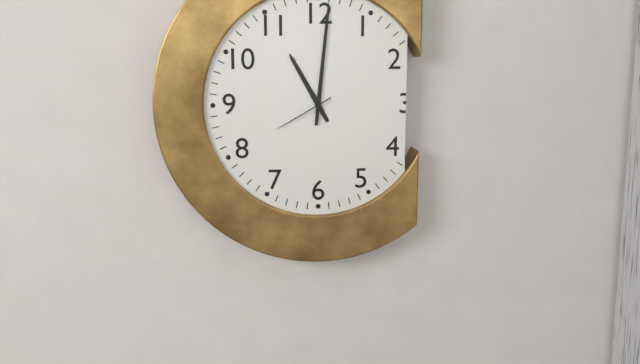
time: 11:01:40
